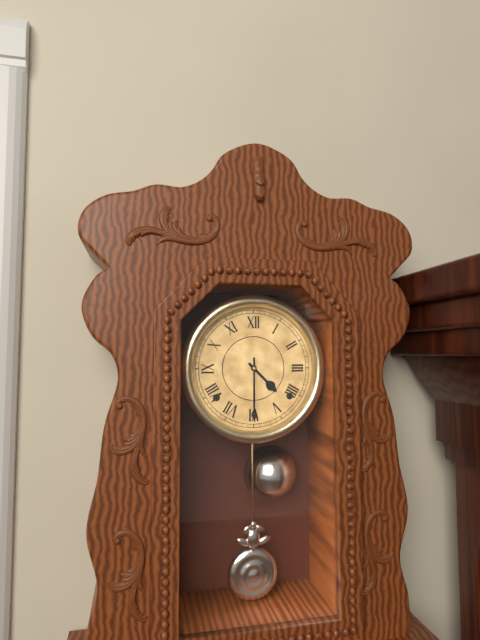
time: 4:30
